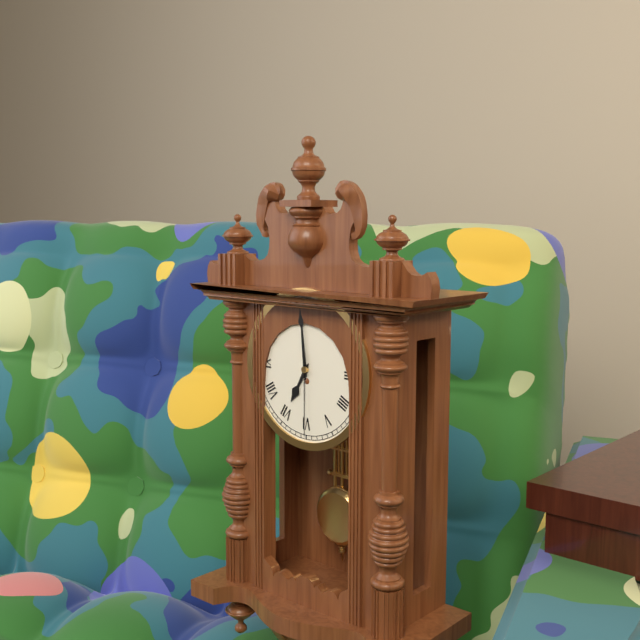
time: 6:59:30
